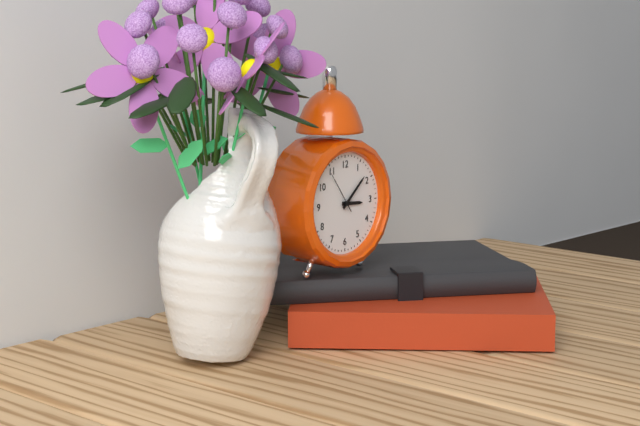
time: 3:08
